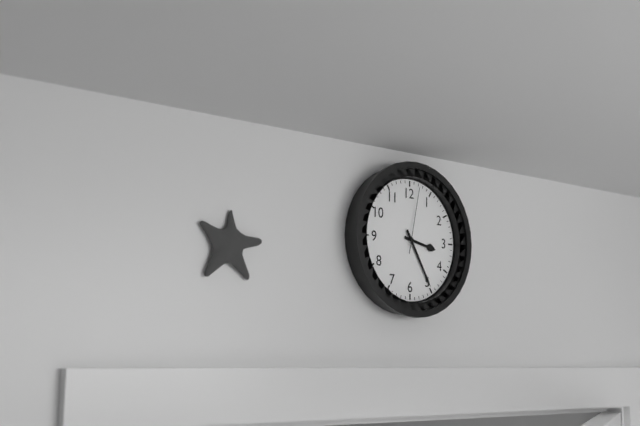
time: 3:25:02
